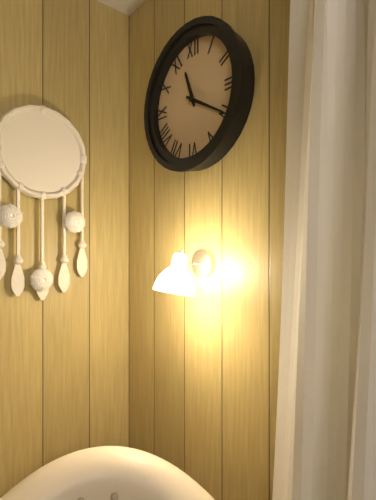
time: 11:20
